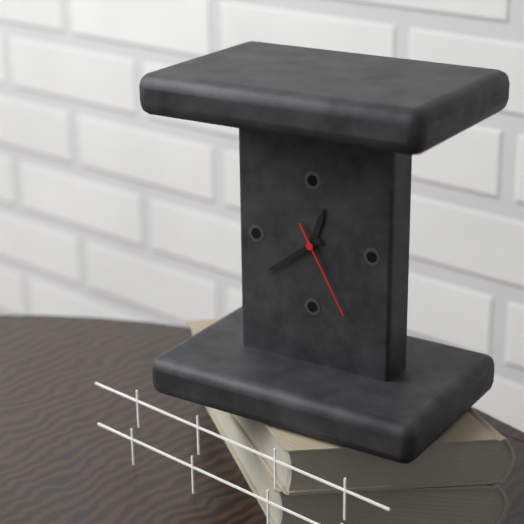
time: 12:39:25
